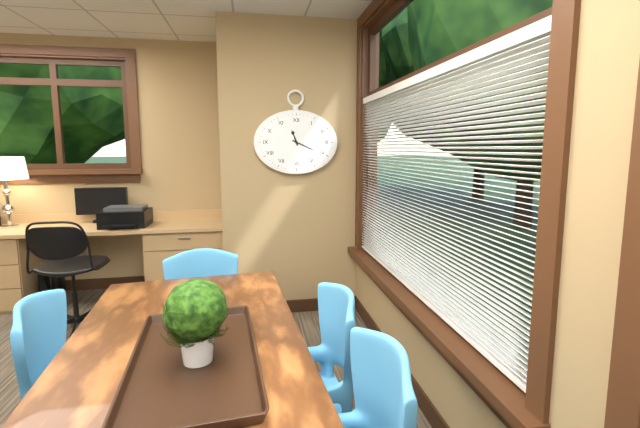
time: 11:19
